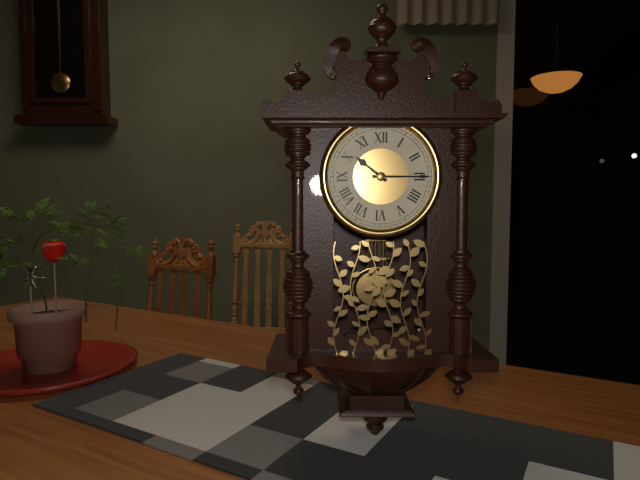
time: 10:15
